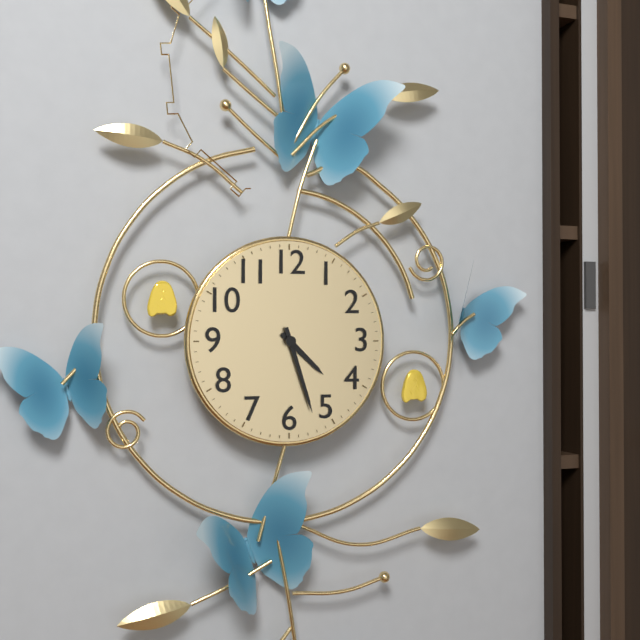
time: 4:27
